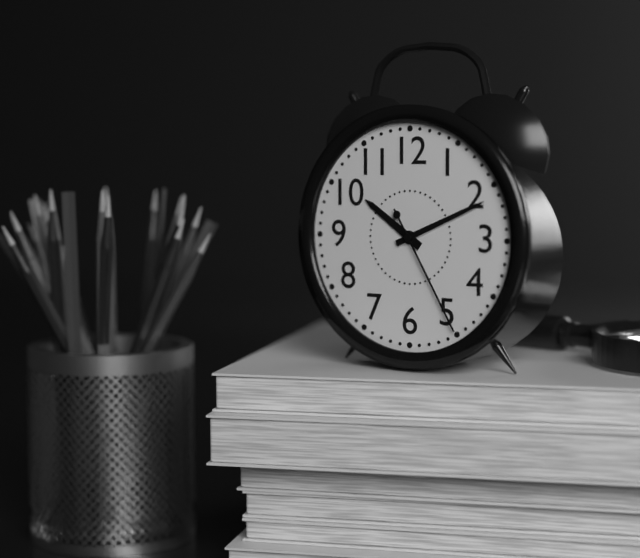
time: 10:11:25
